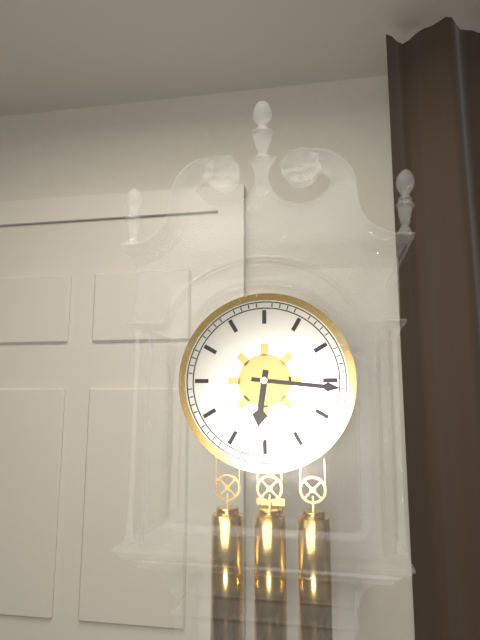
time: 6:16
